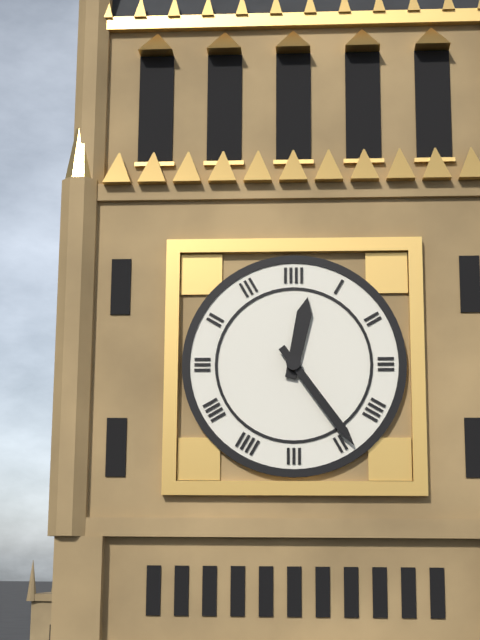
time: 12:24
